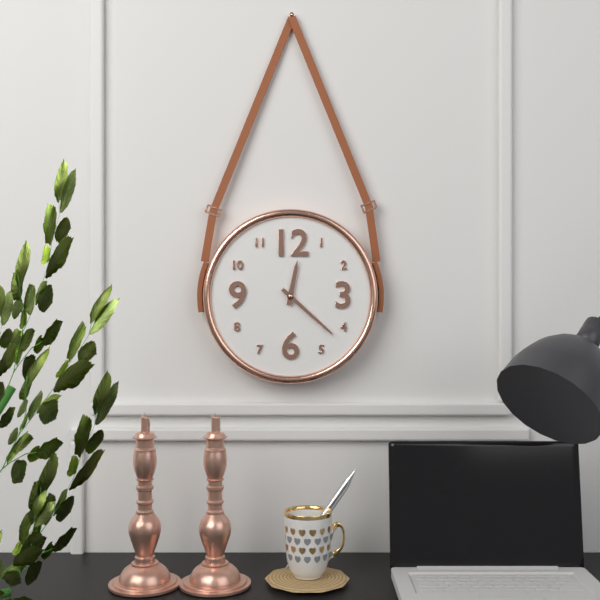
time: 12:22
